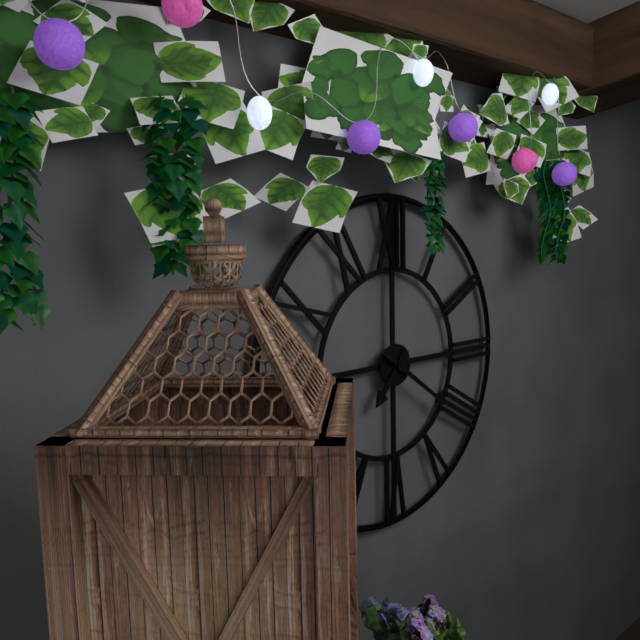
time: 7:21
